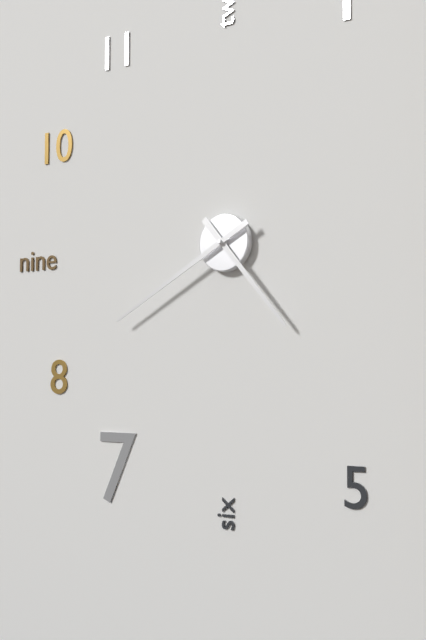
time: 4:40
